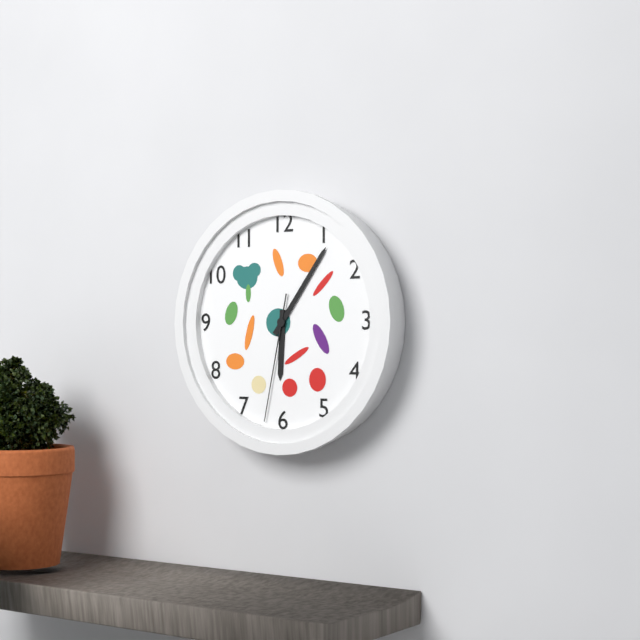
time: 6:06:32
